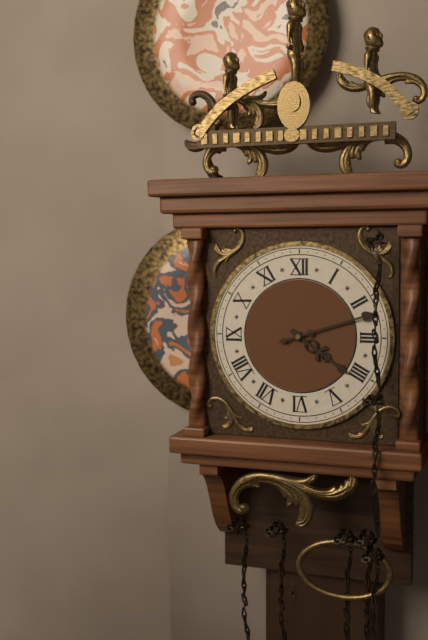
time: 4:12
